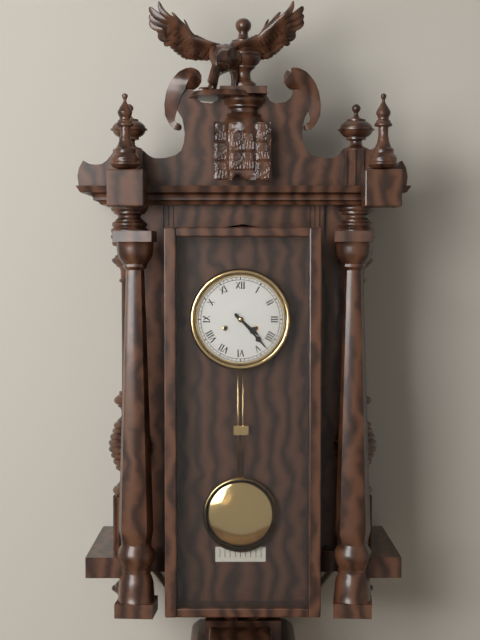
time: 4:23
